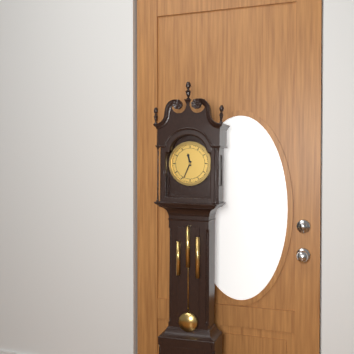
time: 11:34
